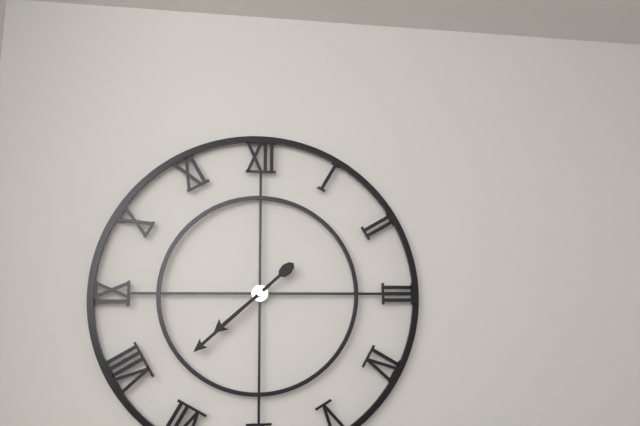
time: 7:38
